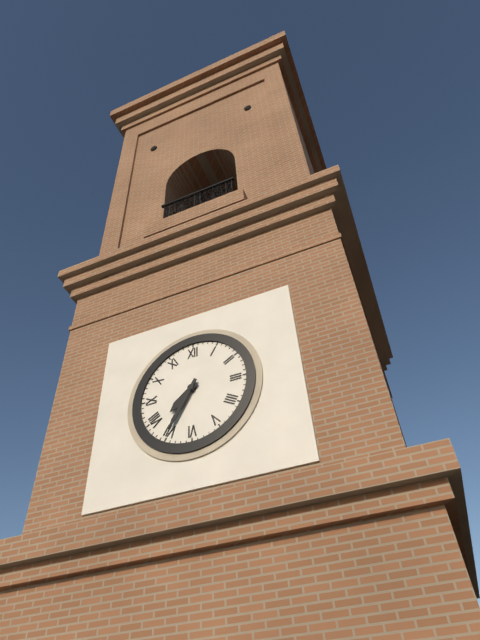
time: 7:35
